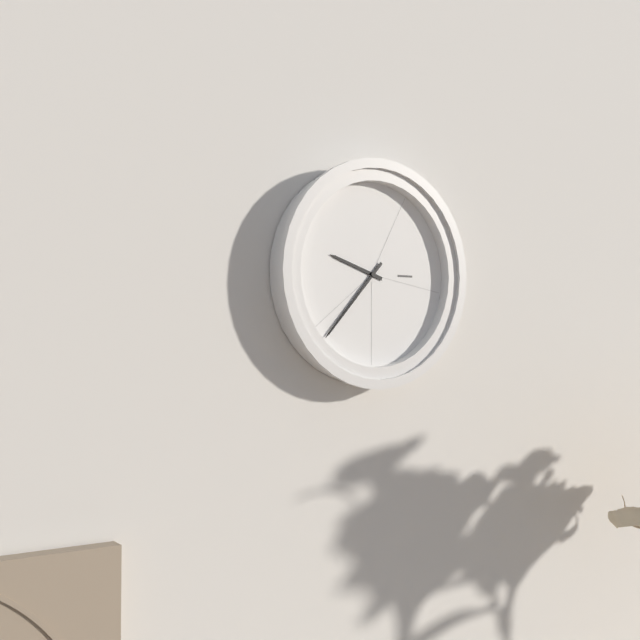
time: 9:37
